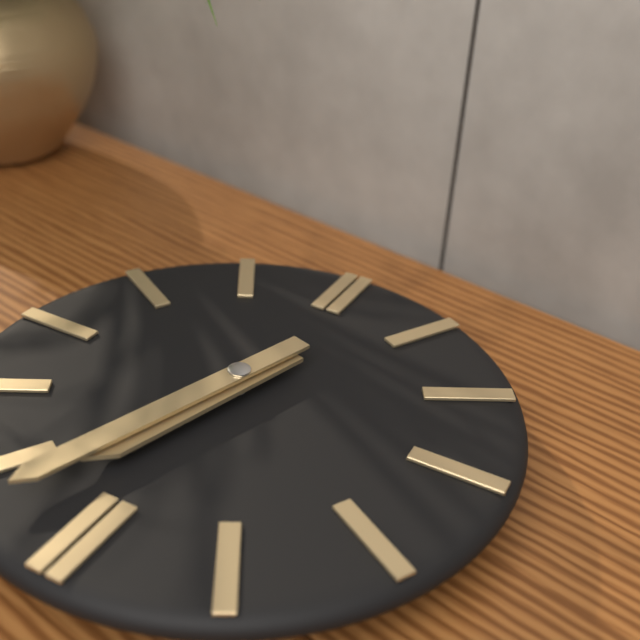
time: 6:33
